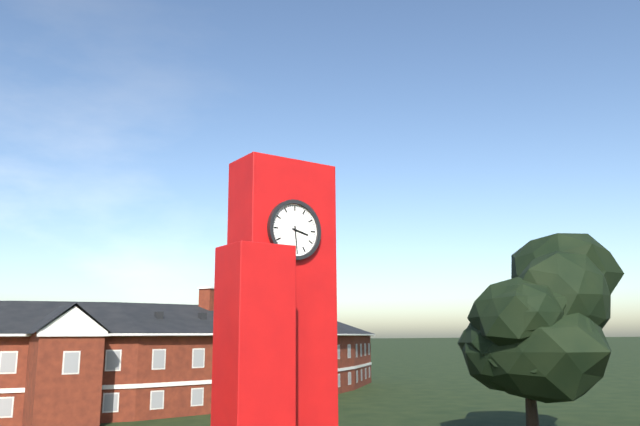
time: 3:29
